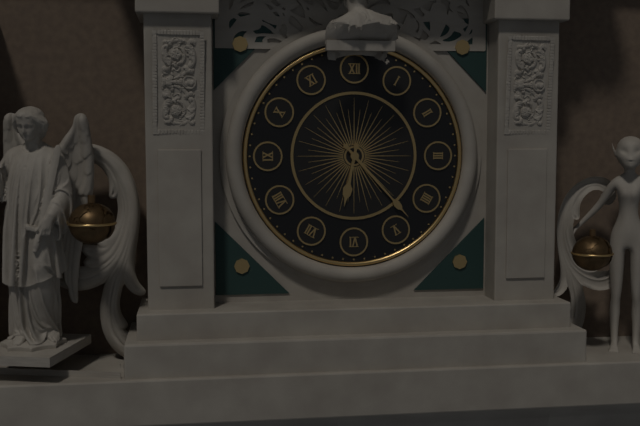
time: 6:23
